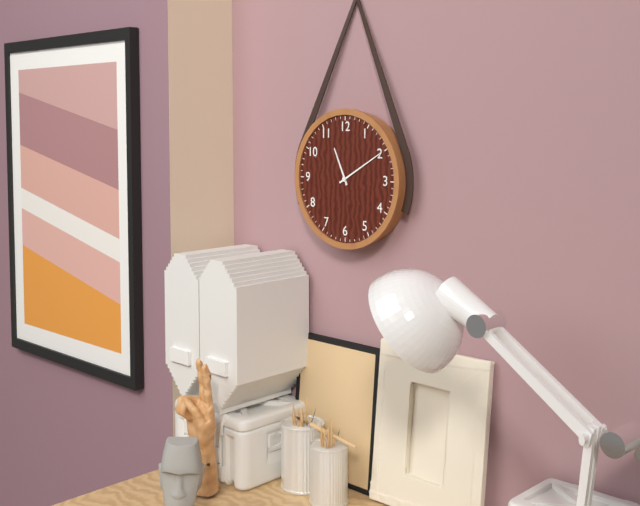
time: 11:10
